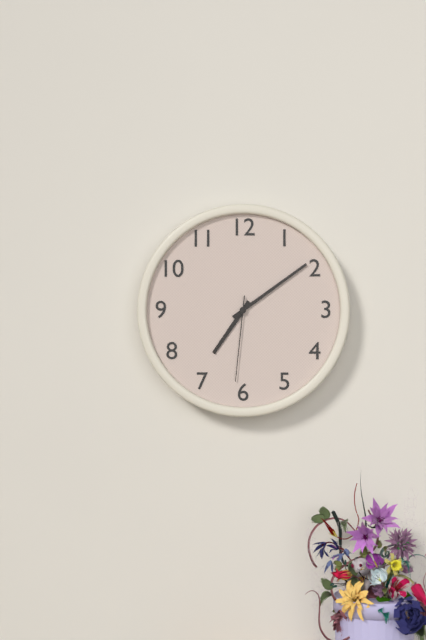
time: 7:09:31
